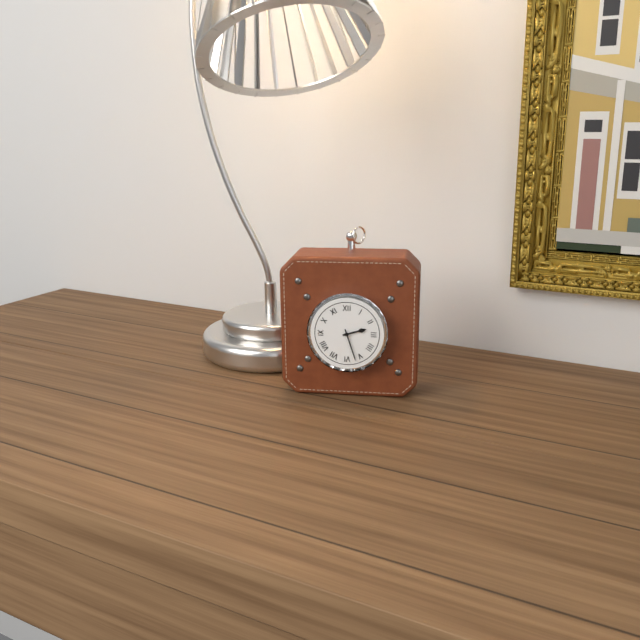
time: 2:27
